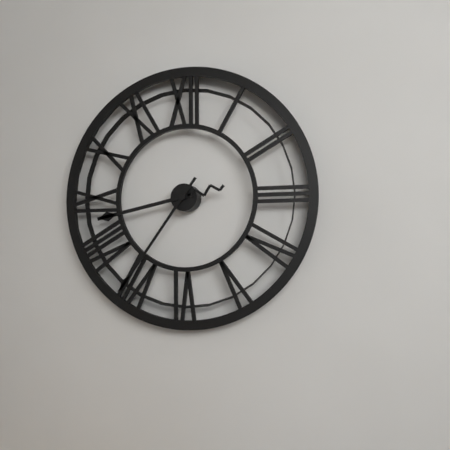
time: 8:36
